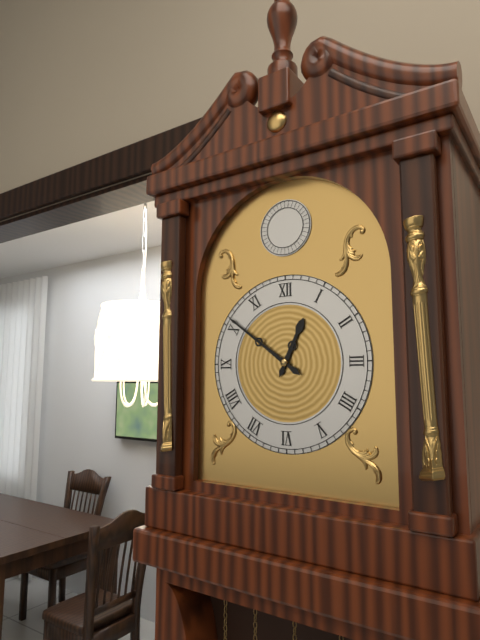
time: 12:51
